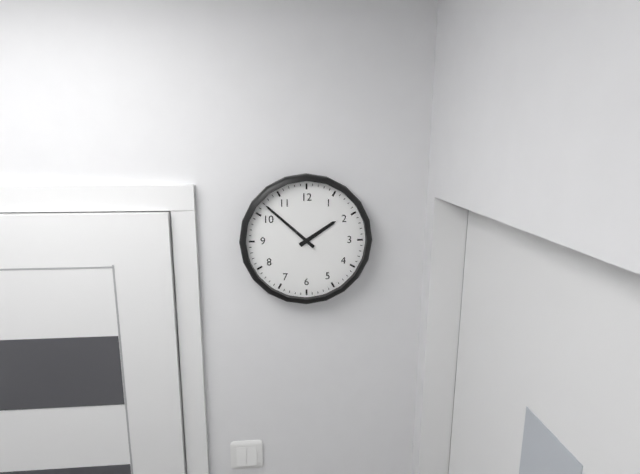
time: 1:52
